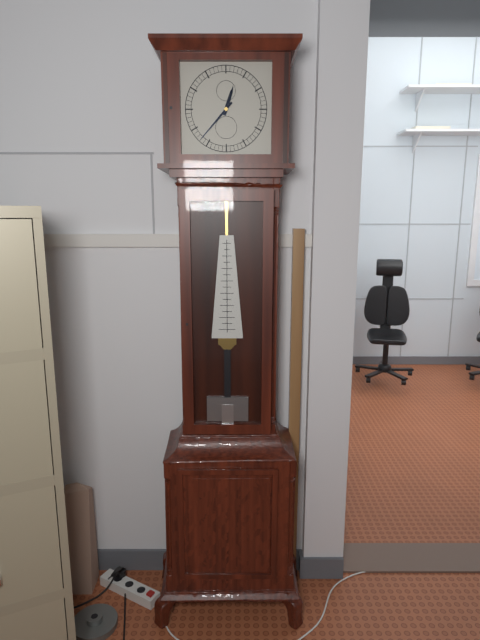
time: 12:37
